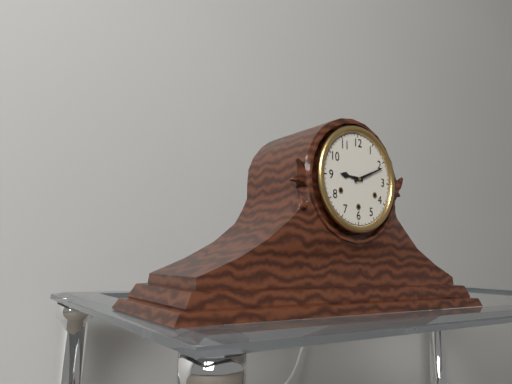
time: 9:11
